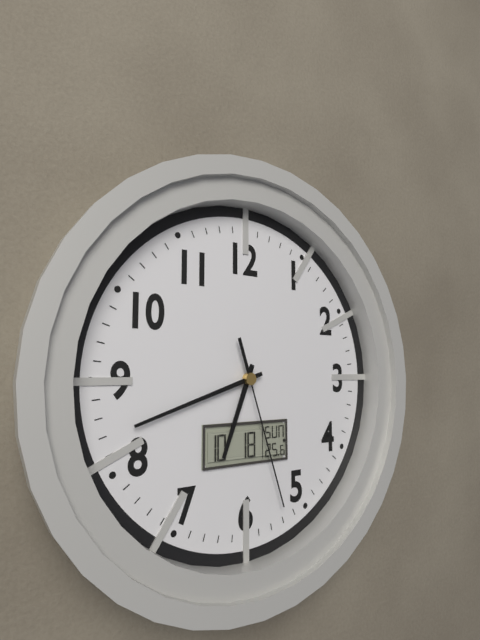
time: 6:42:27
